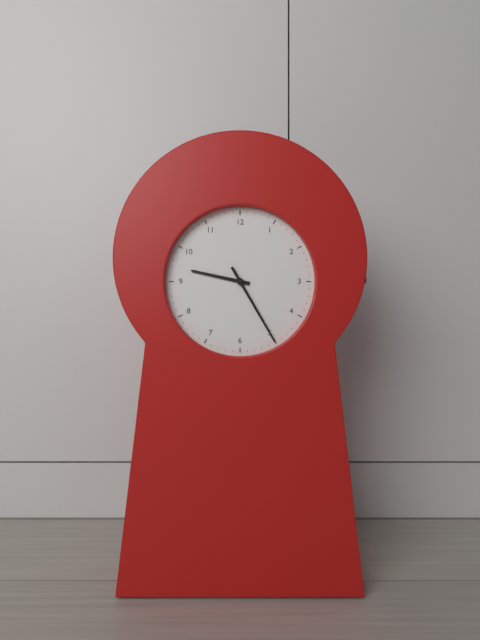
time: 9:25
